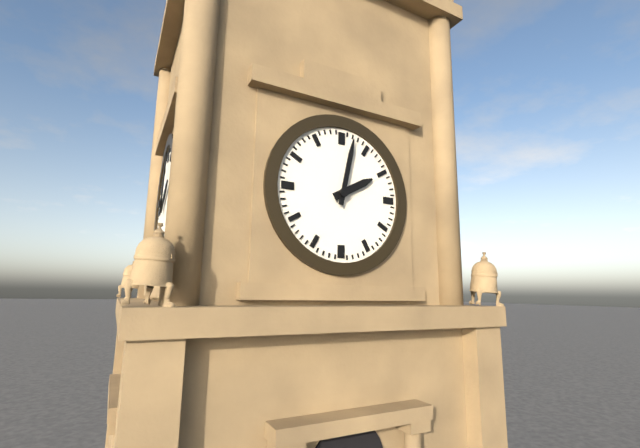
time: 2:02
